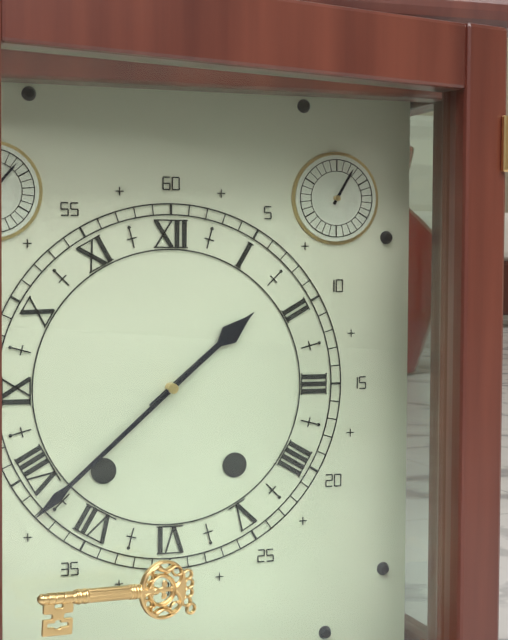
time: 1:38
